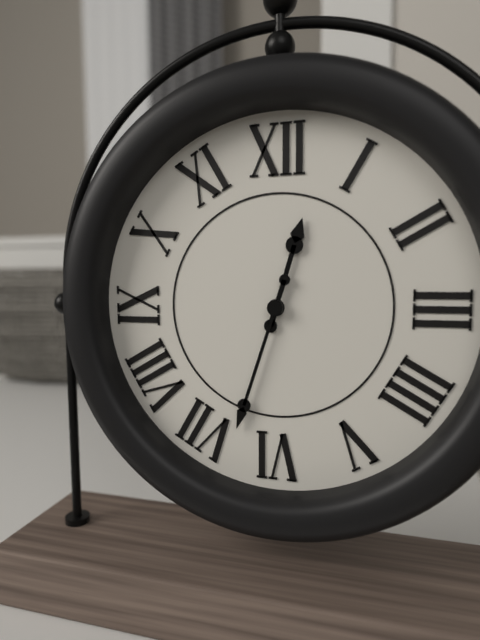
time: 12:33
